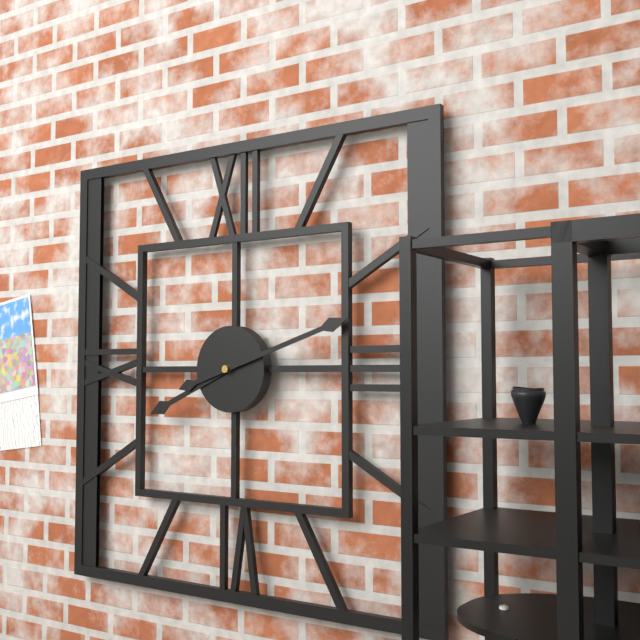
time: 8:12
